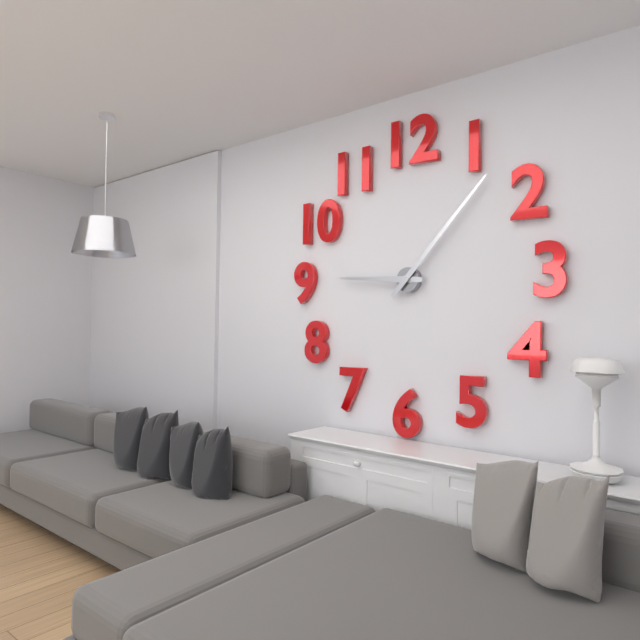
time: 9:07
